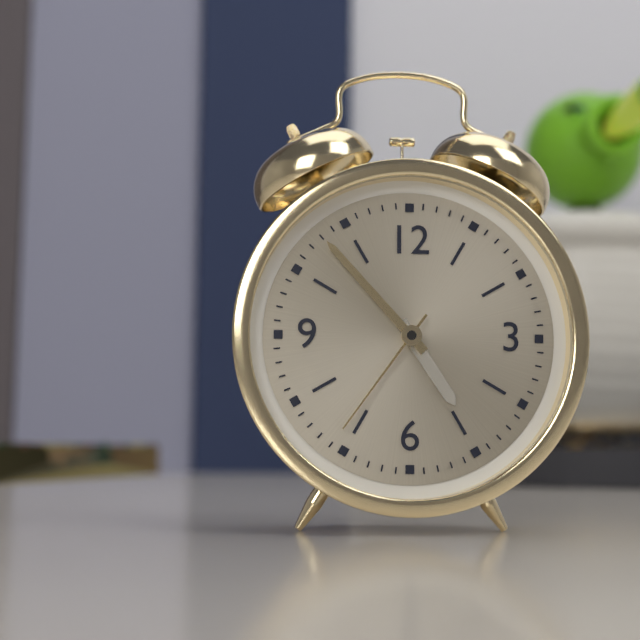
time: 4:53:36
